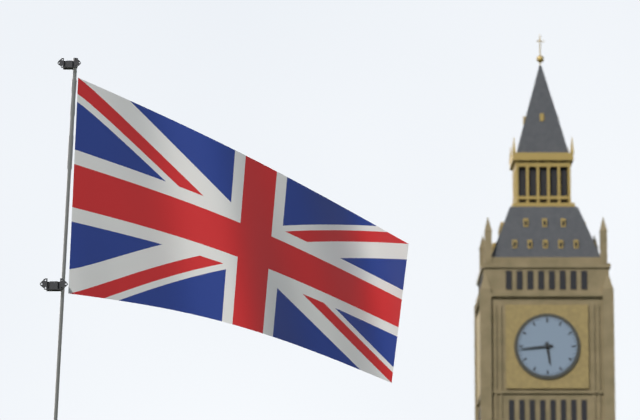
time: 5:44
